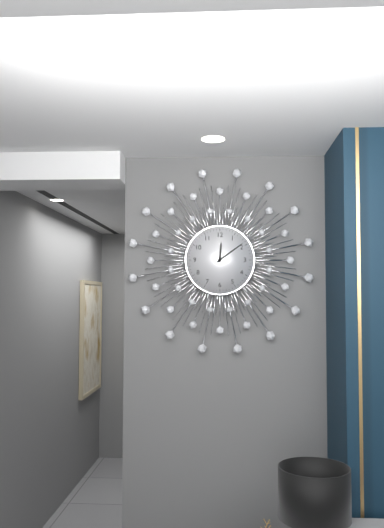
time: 12:09
